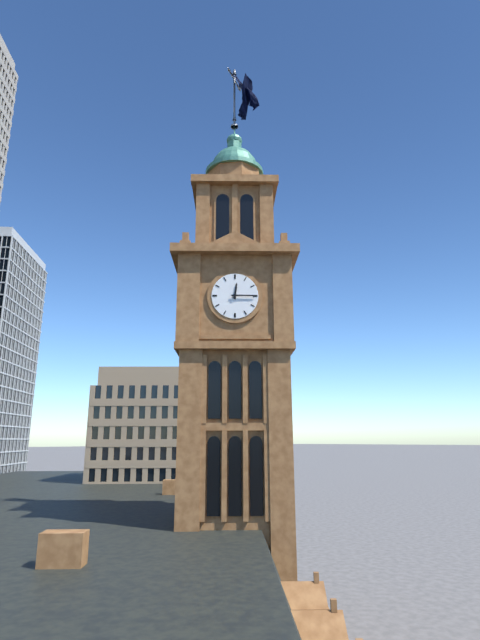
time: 12:15
